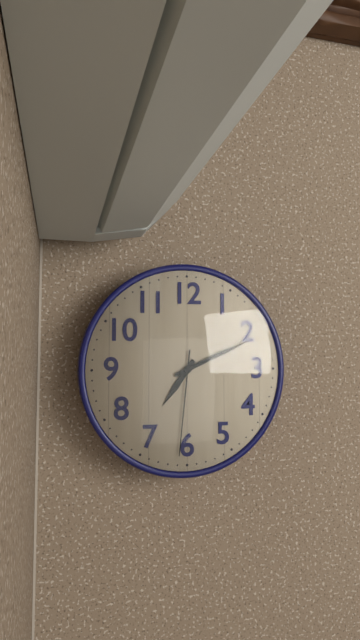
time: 7:11:31
